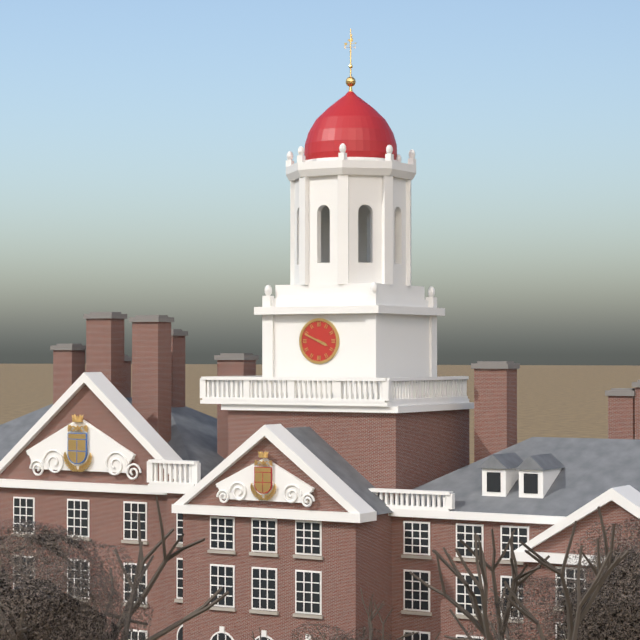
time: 3:49
